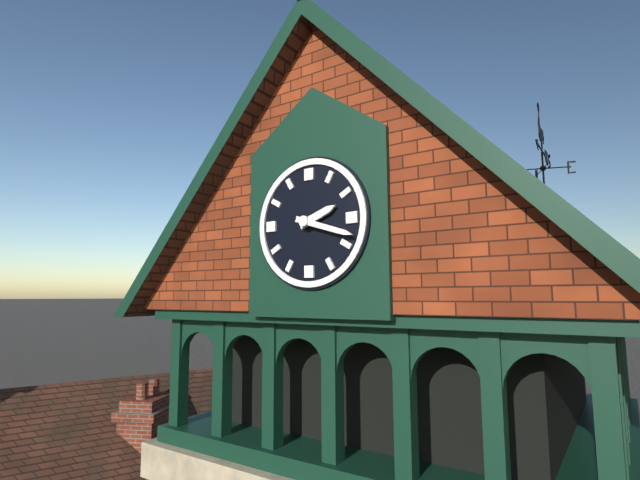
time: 2:18
